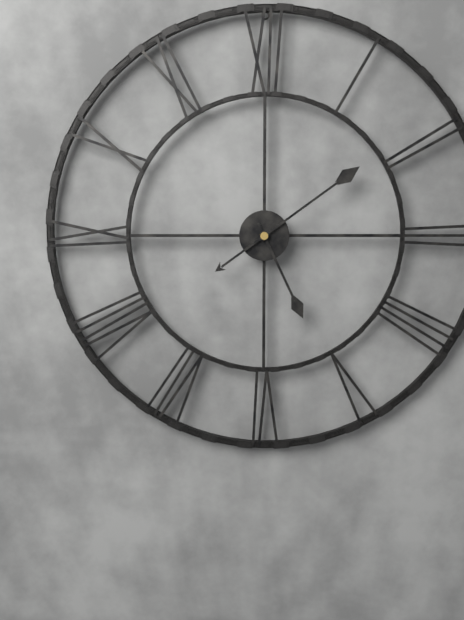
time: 5:09
